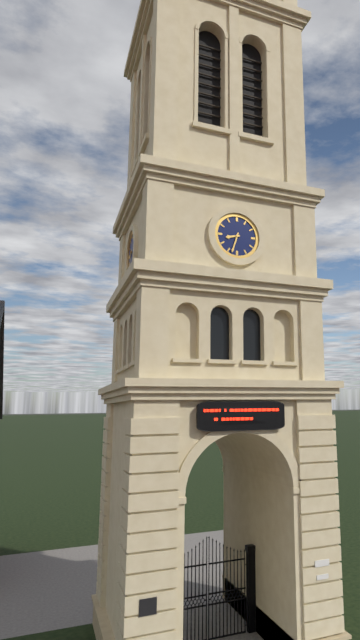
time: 8:33
